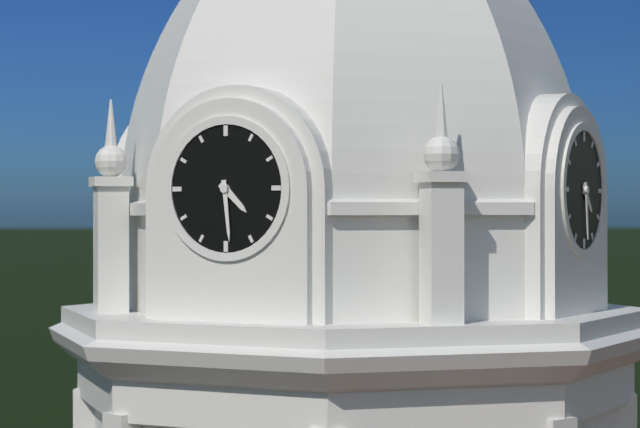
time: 4:29
